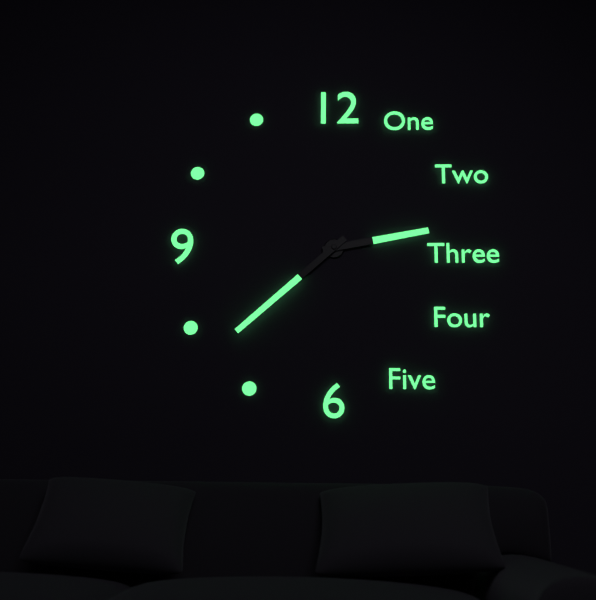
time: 2:38
